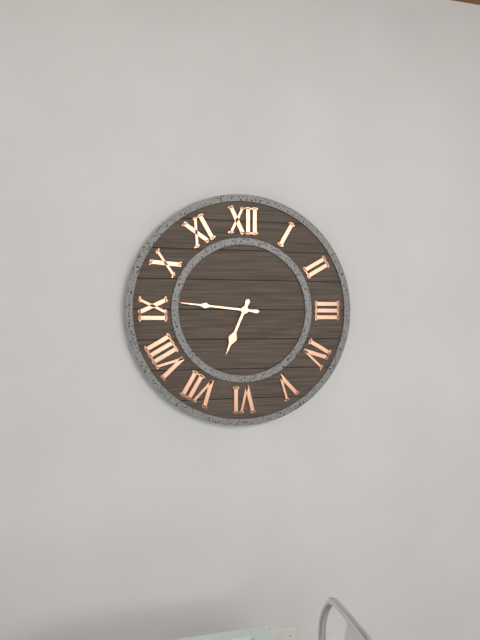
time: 6:46
